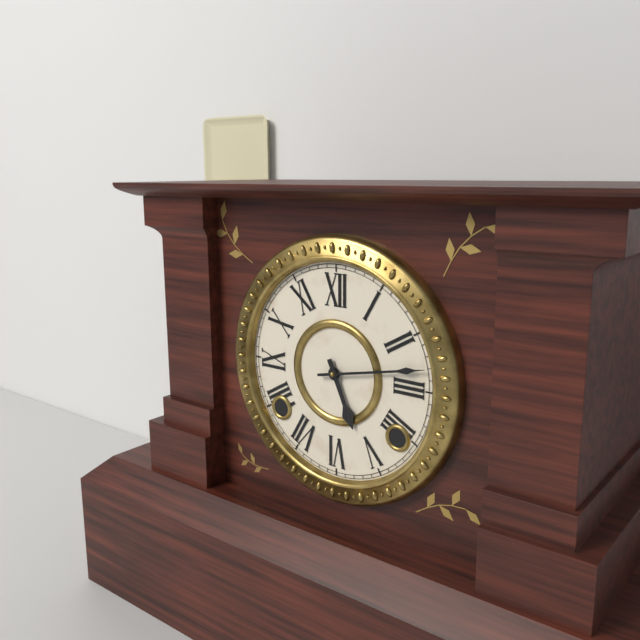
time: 5:13
